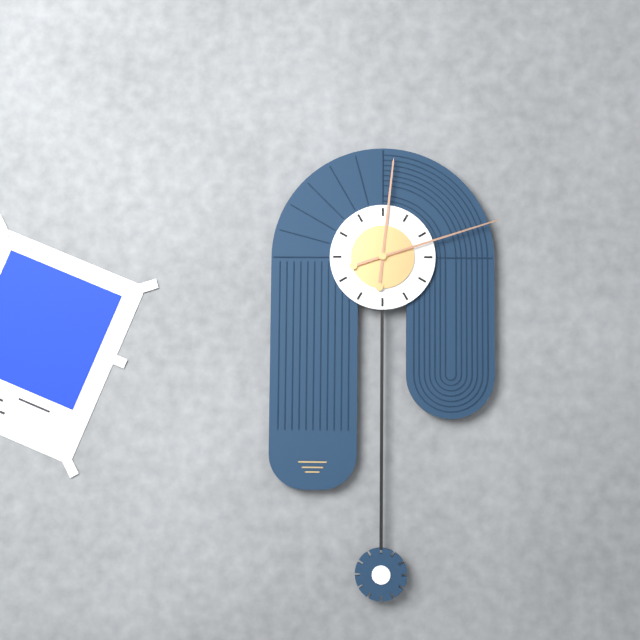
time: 12:12
